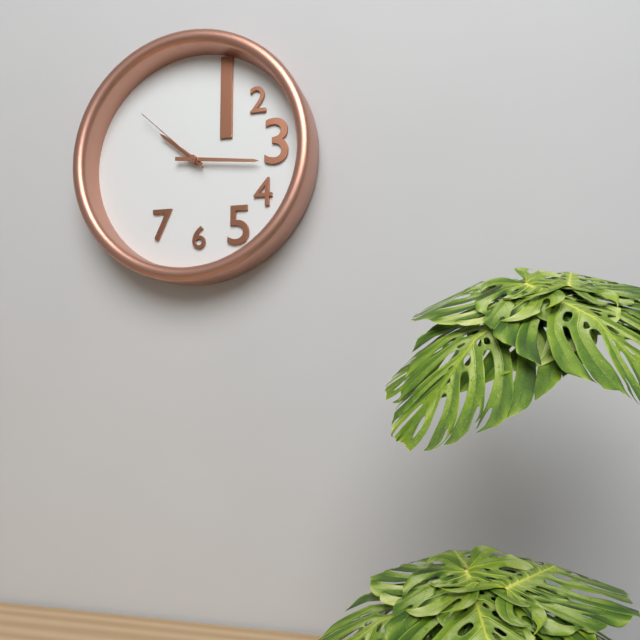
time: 10:16:52
